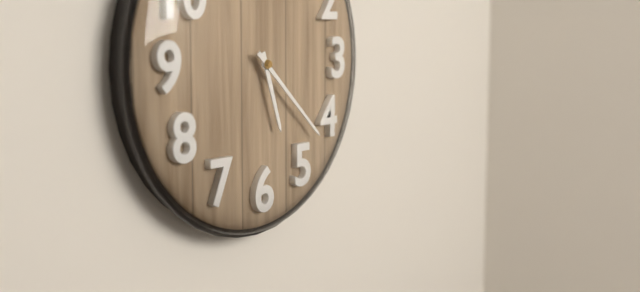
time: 5:22
